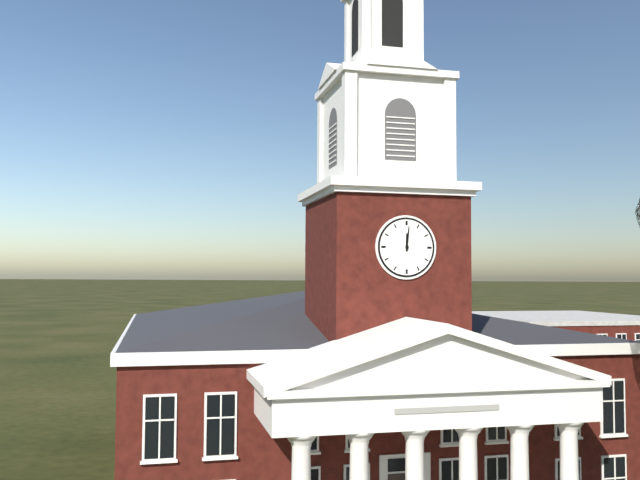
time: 12:01
